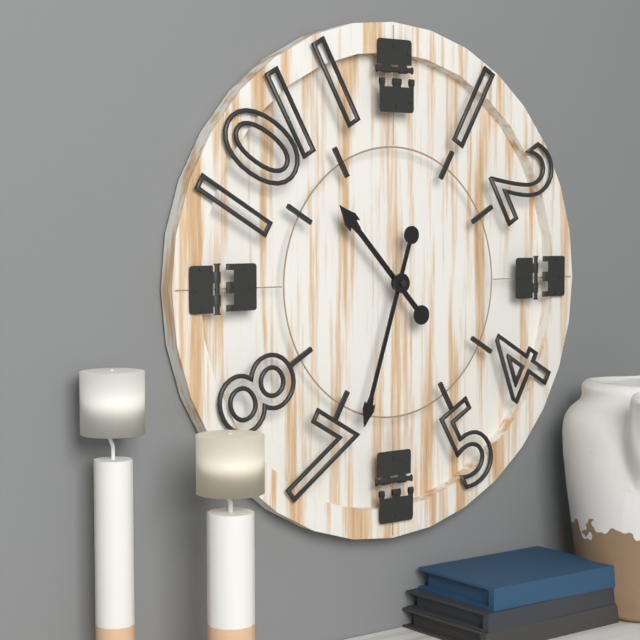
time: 10:33
